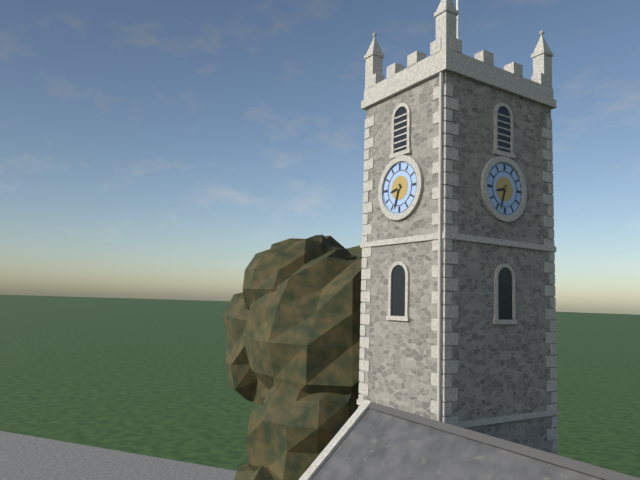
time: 8:33
